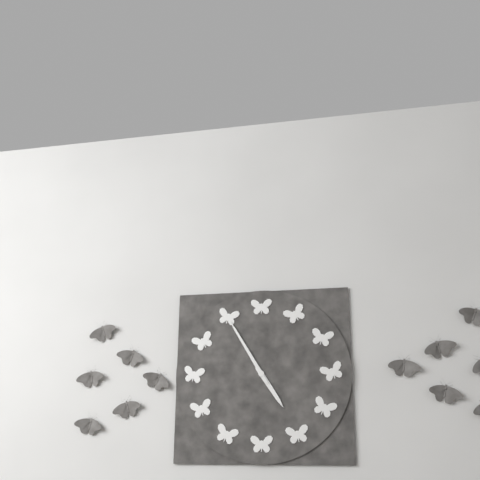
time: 4:55
